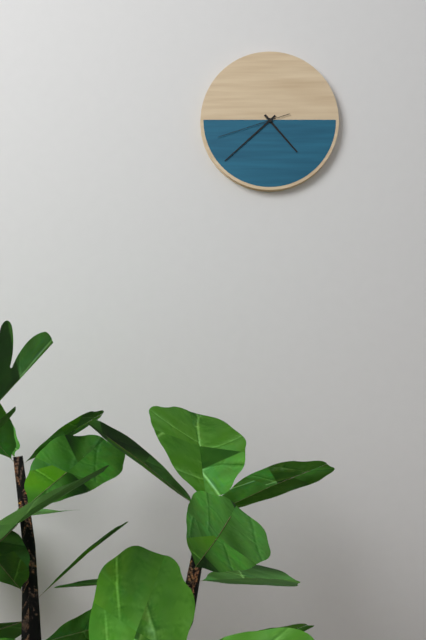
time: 4:38:42
